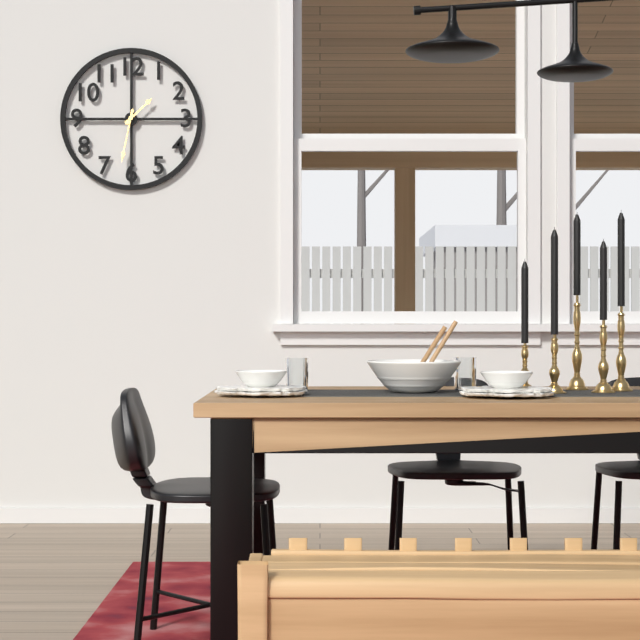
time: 1:32
